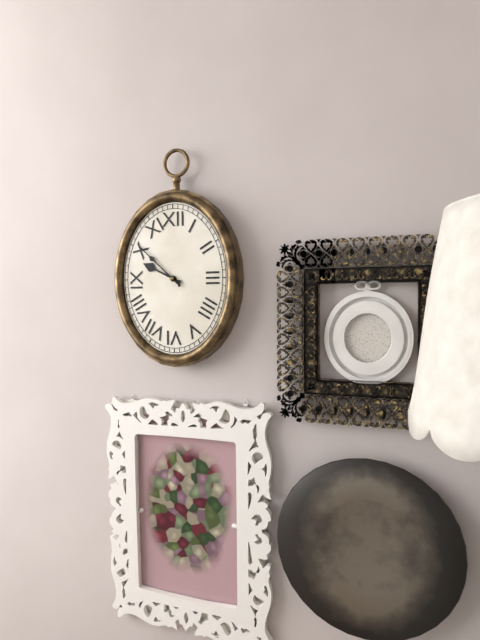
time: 9:52
